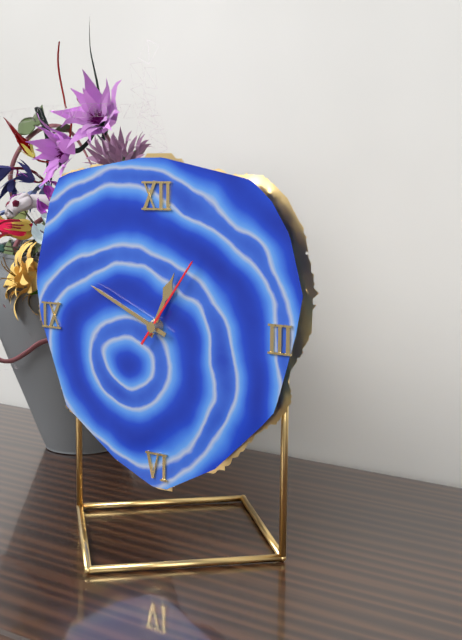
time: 12:49:06
